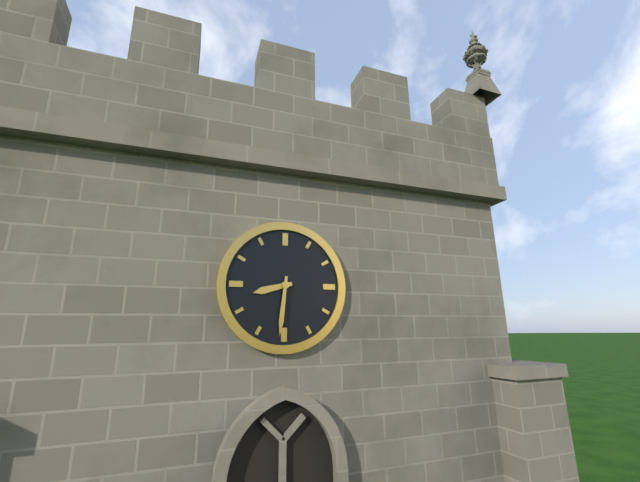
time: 8:31
